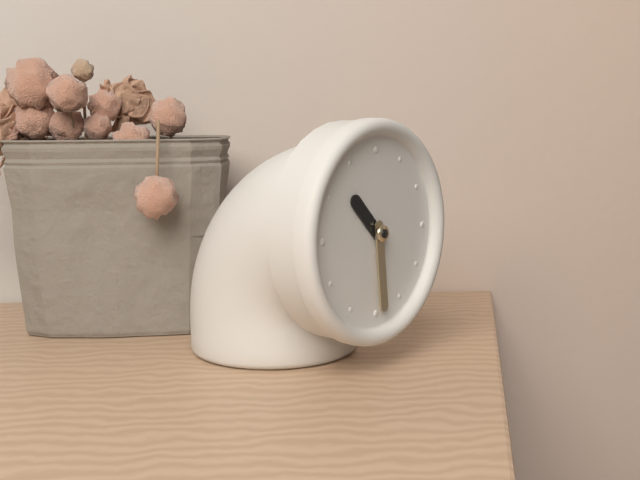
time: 10:29
